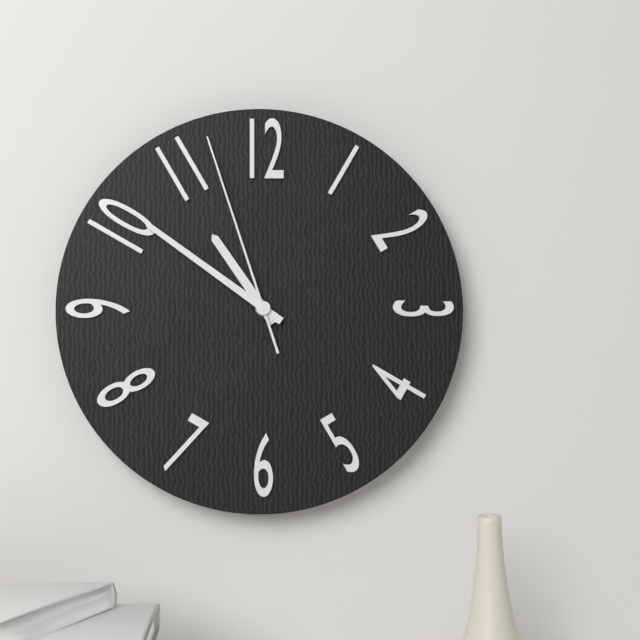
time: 10:51:57
